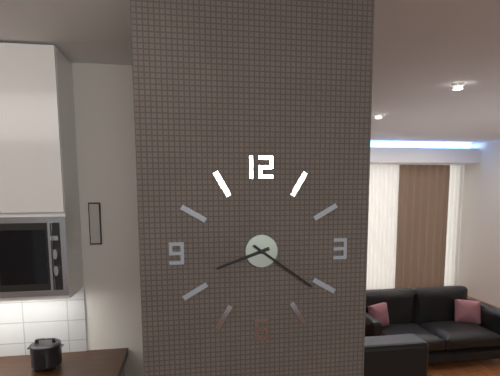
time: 8:21
